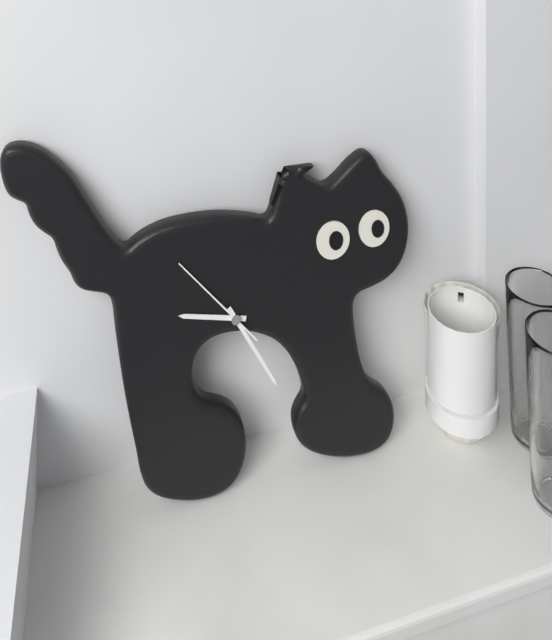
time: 9:25:53
